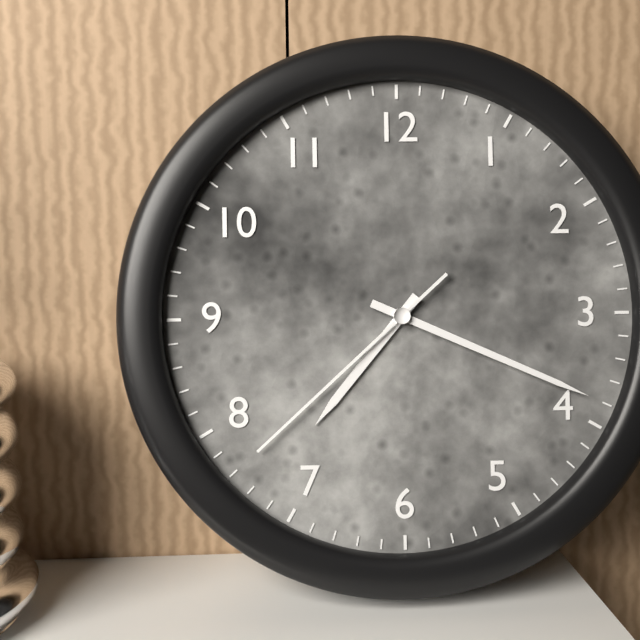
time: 7:19:38
